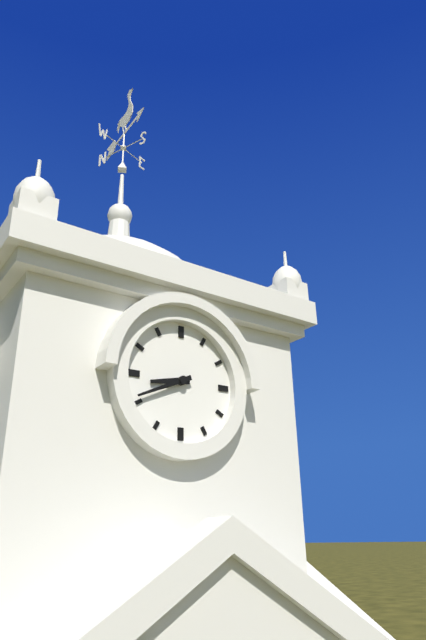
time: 8:41
